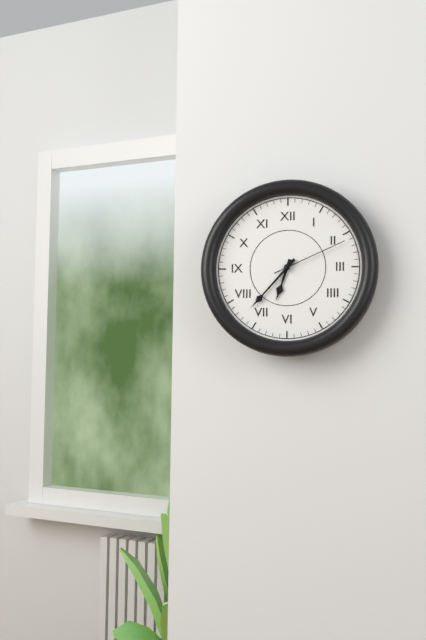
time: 6:37:11
